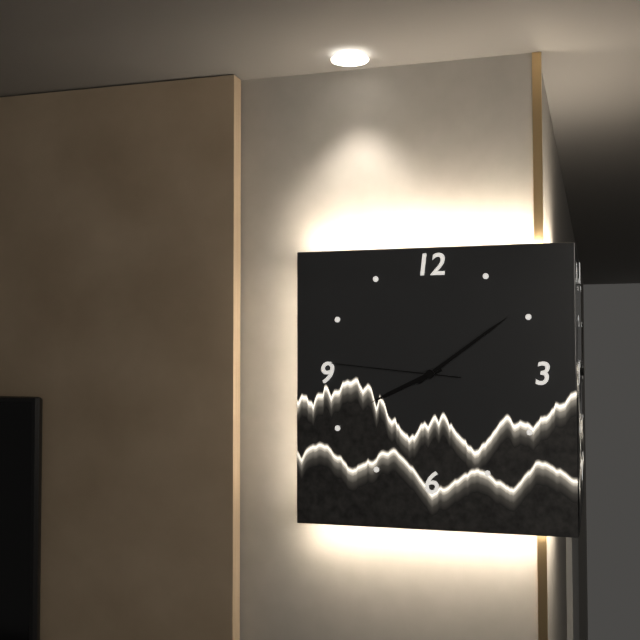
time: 8:09:46
